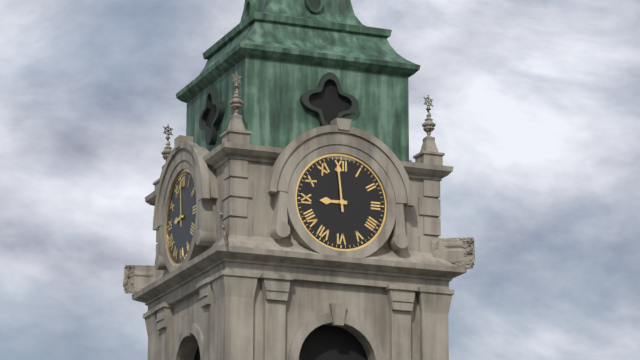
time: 8:59
